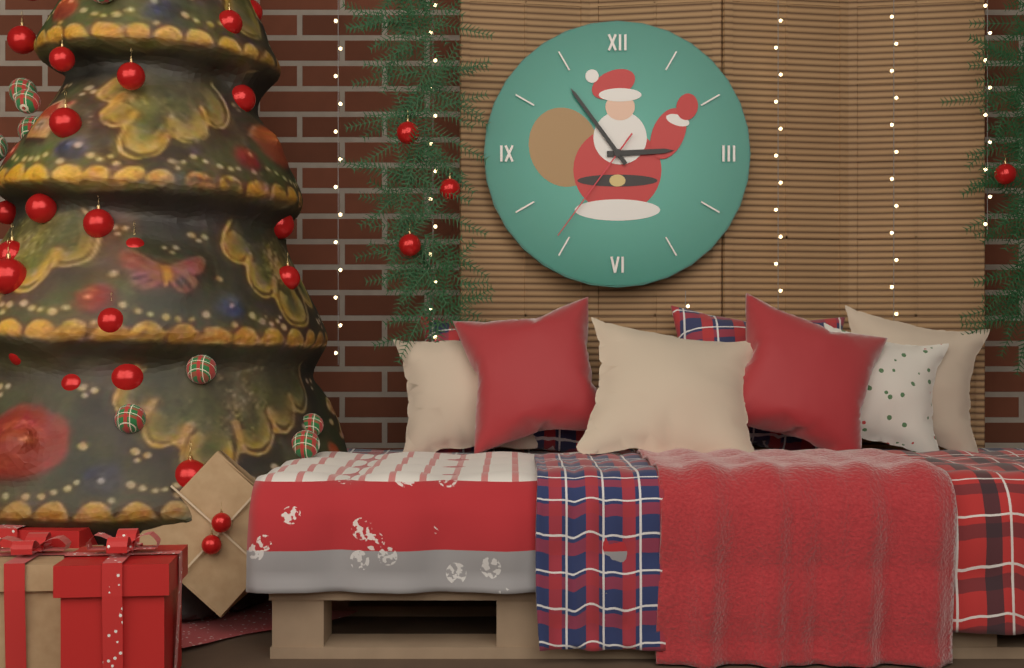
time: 2:54:36
